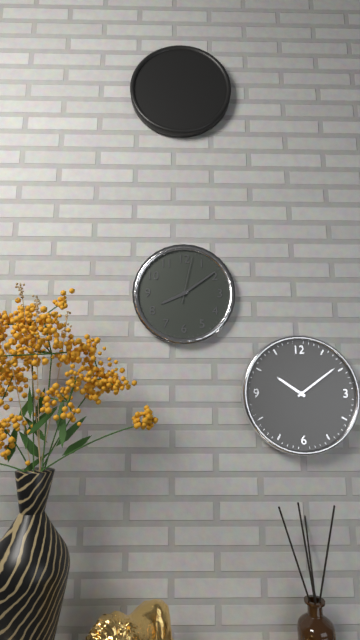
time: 8:09:02
